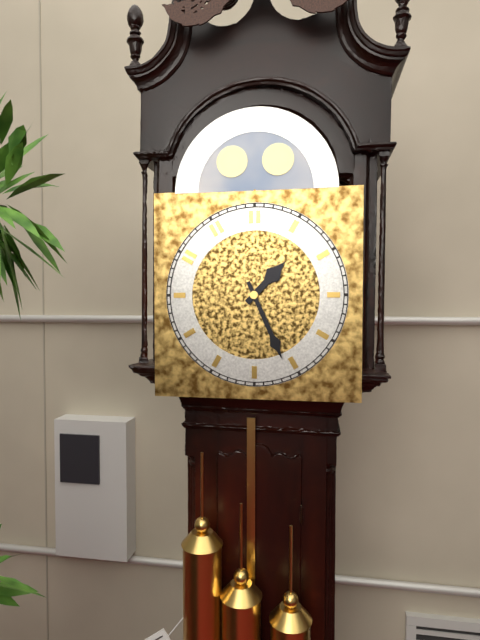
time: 1:26
